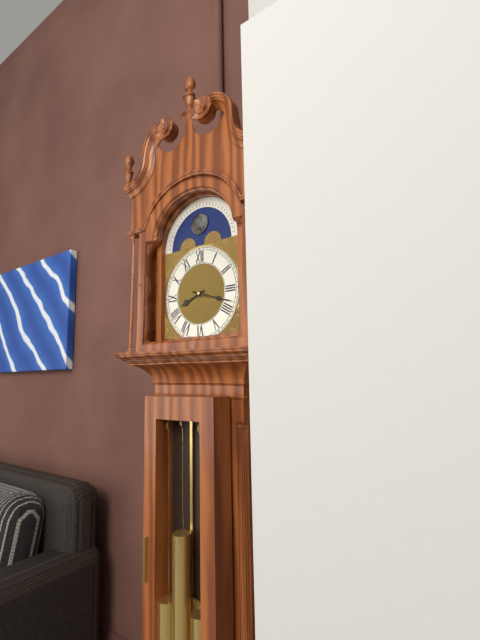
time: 8:18
